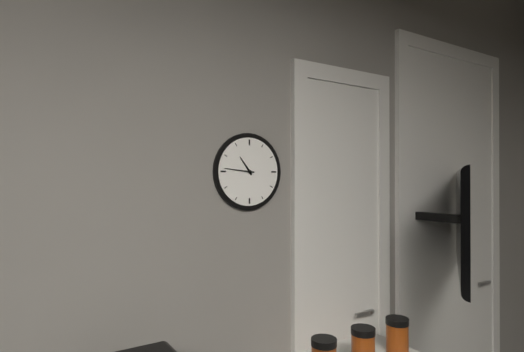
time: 10:46
